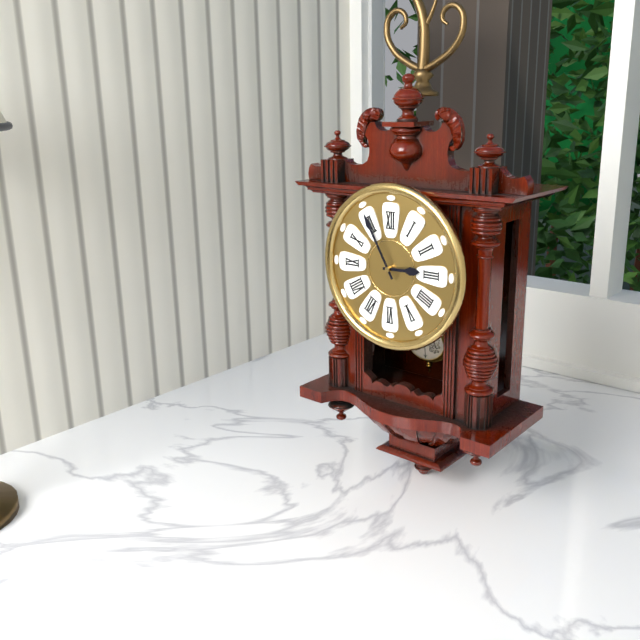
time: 2:55
